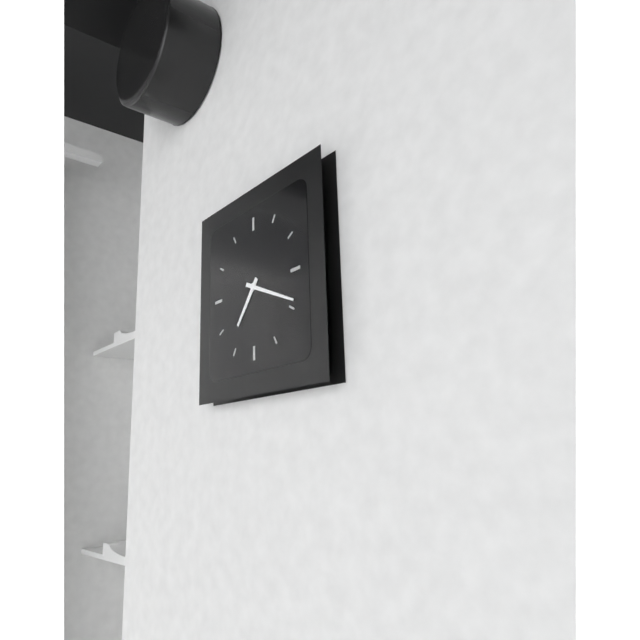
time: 7:19
